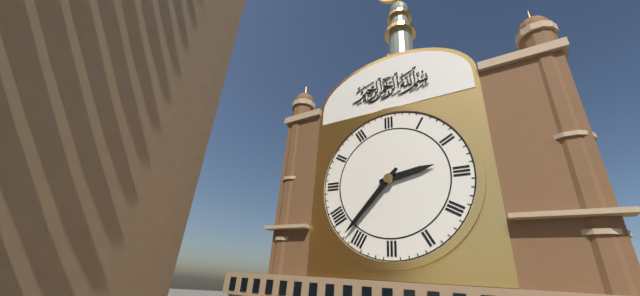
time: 2:37
